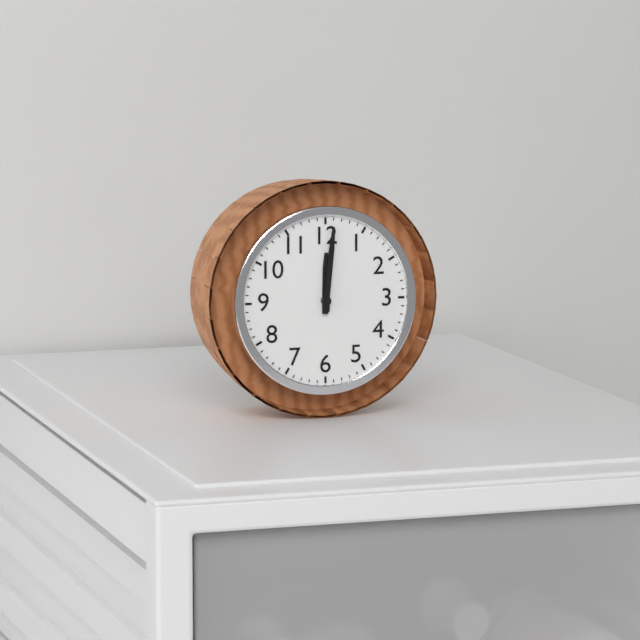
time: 12:01
